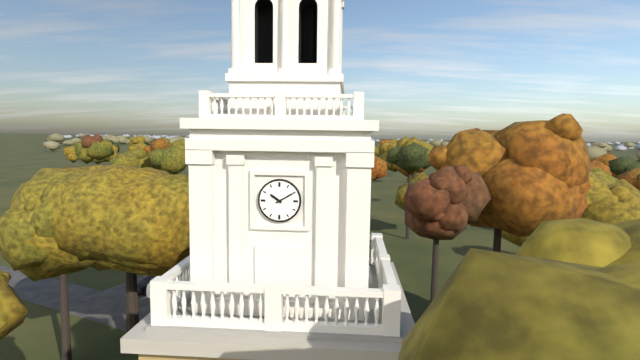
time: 10:10
